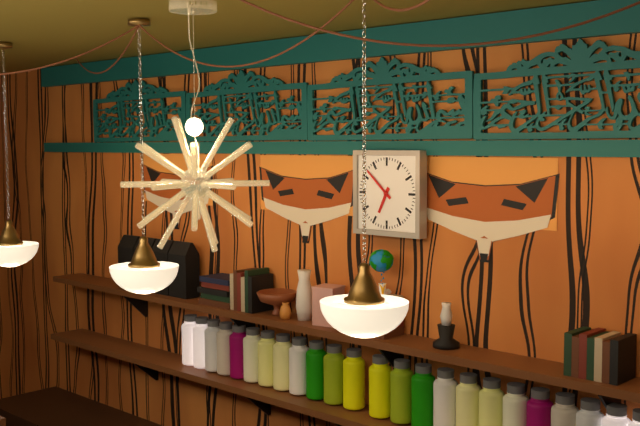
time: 6:52
